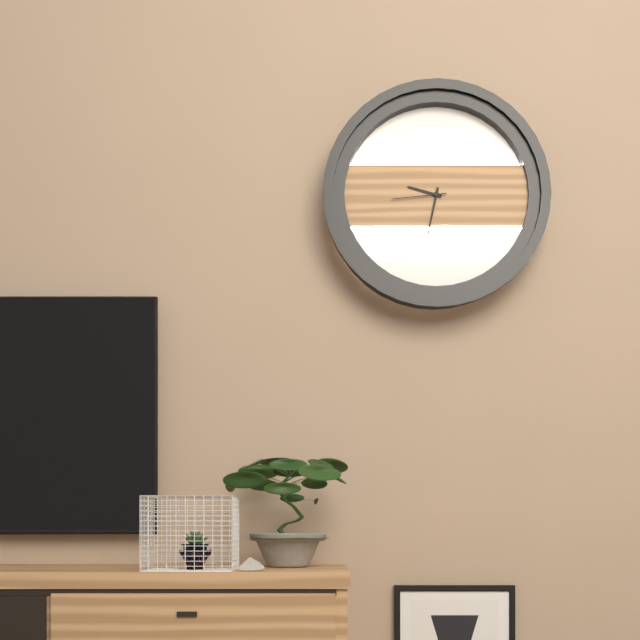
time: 9:32:44
